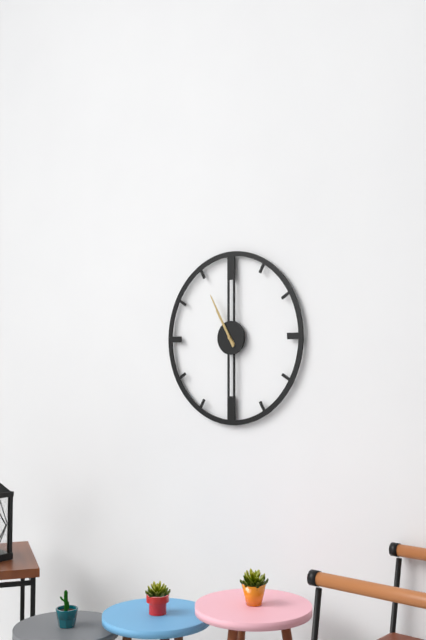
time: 10:55
